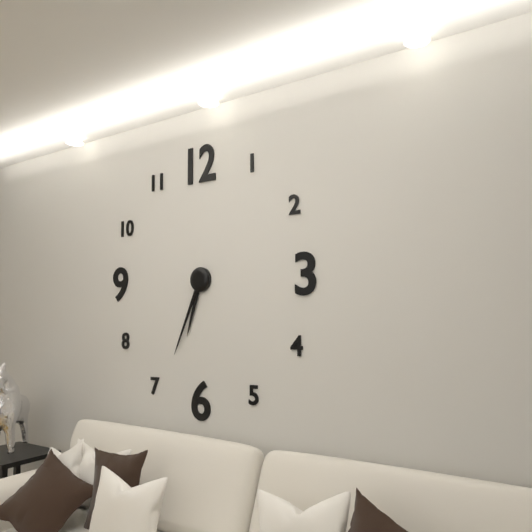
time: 6:34
